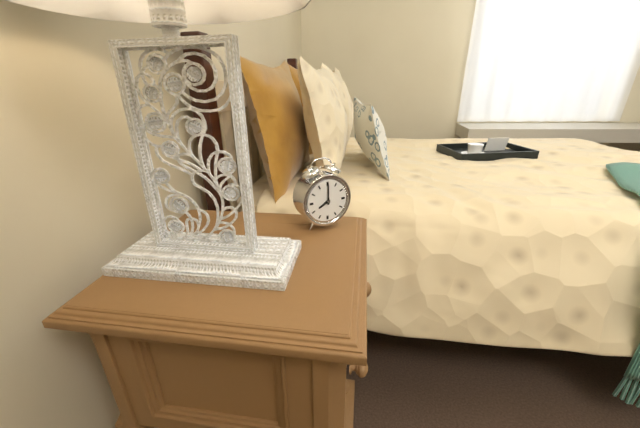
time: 8:00
